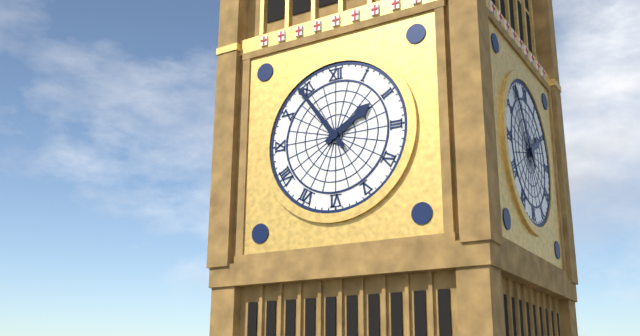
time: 1:54
